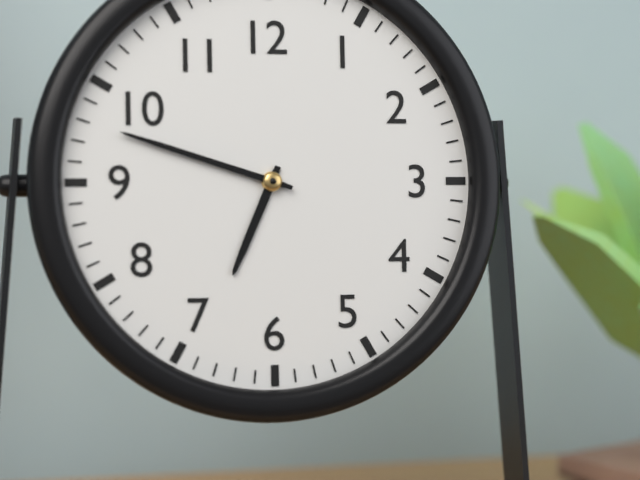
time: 6:48
